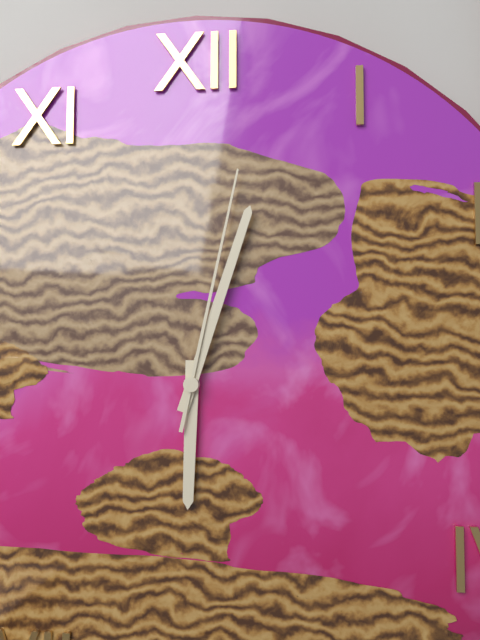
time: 6:03:02
